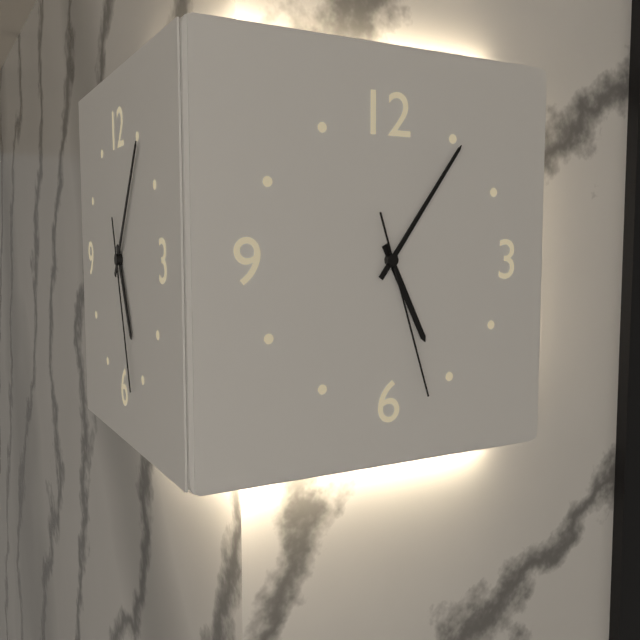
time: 5:06:27
